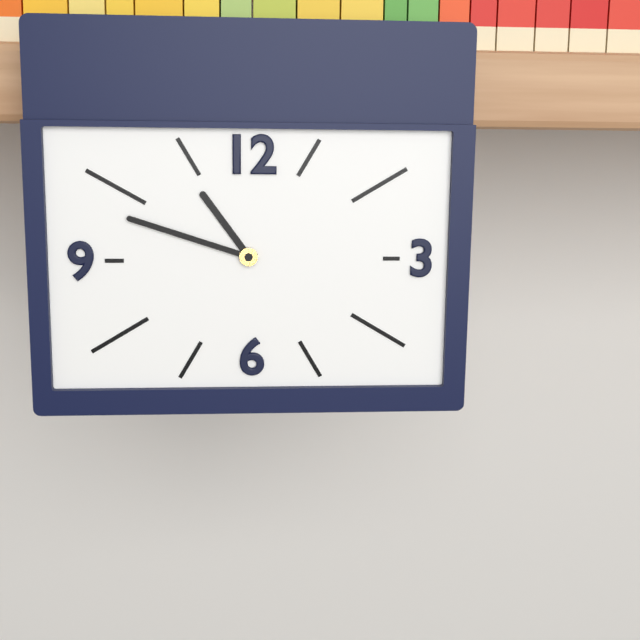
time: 10:48
